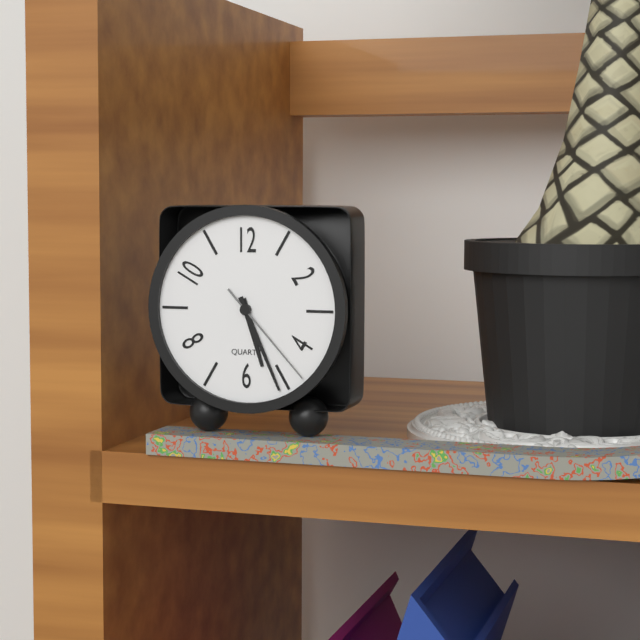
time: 5:26:23
